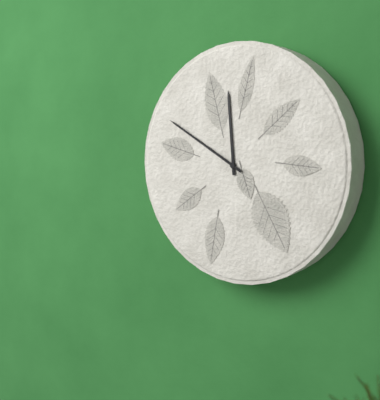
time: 11:50
